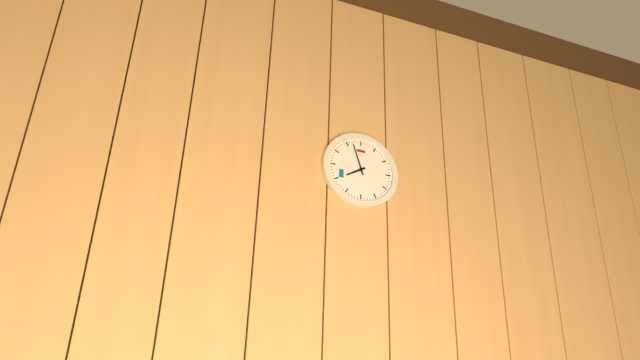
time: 7:57
